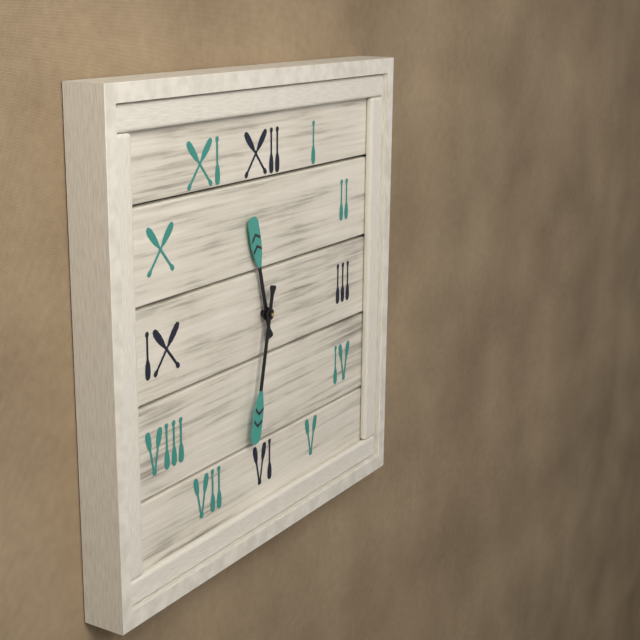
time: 11:32
